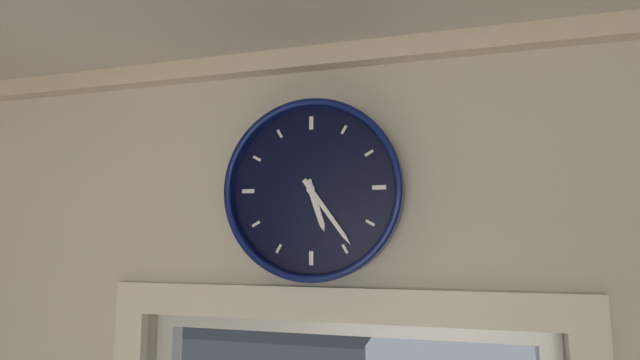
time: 5:24
